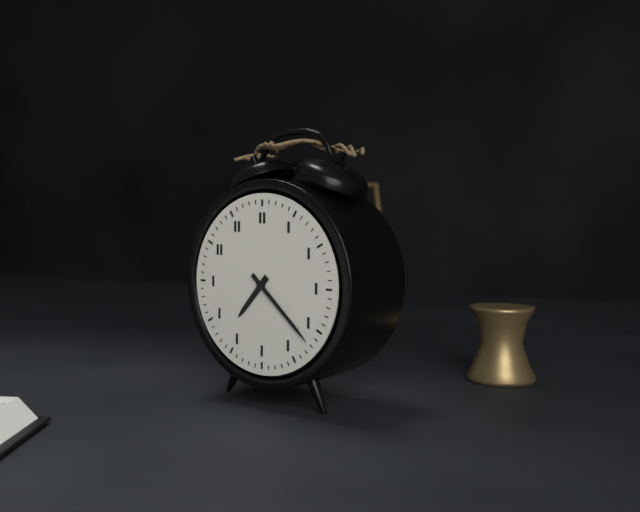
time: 7:22
